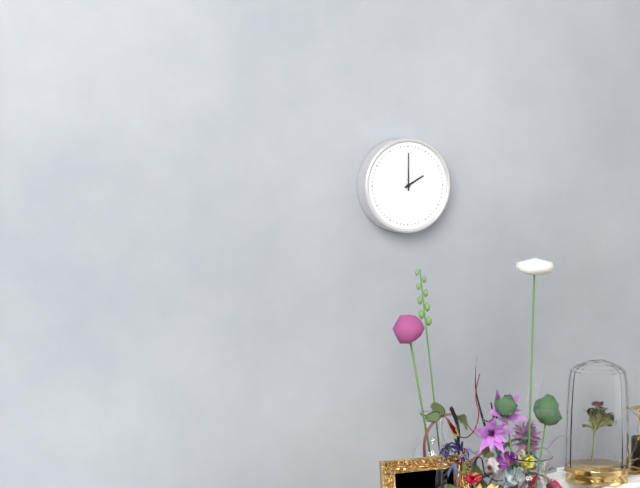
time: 2:00
